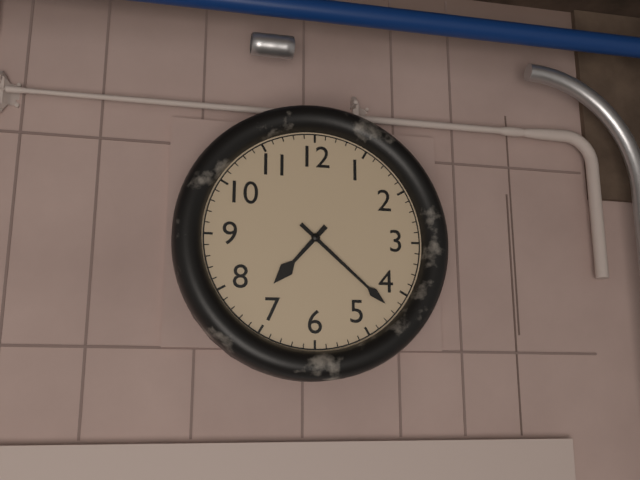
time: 7:22
